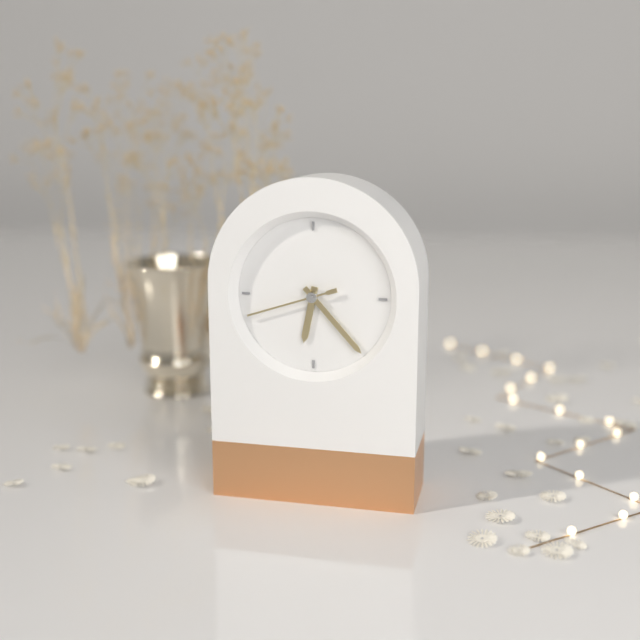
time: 6:23:42
